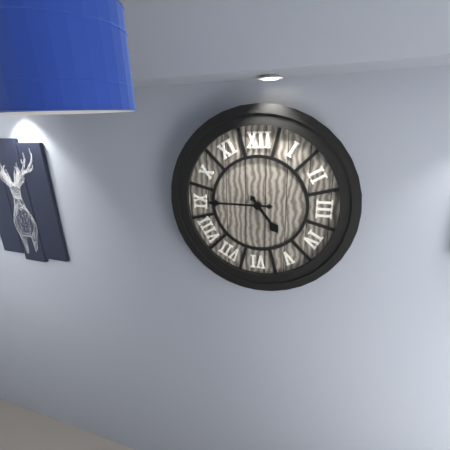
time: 4:45
